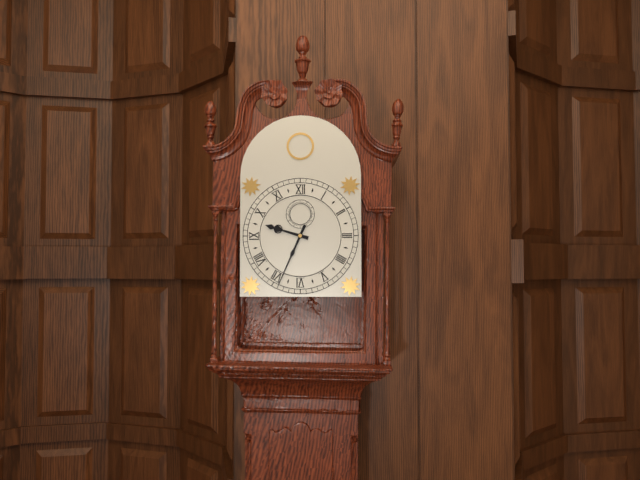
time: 9:34
